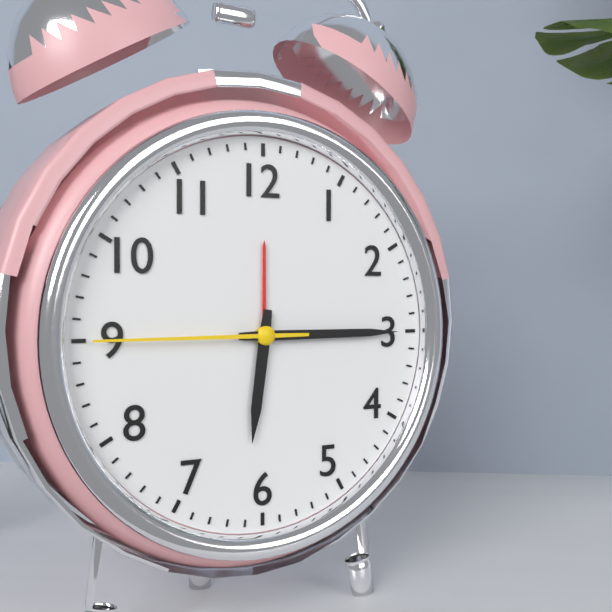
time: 6:15:45
